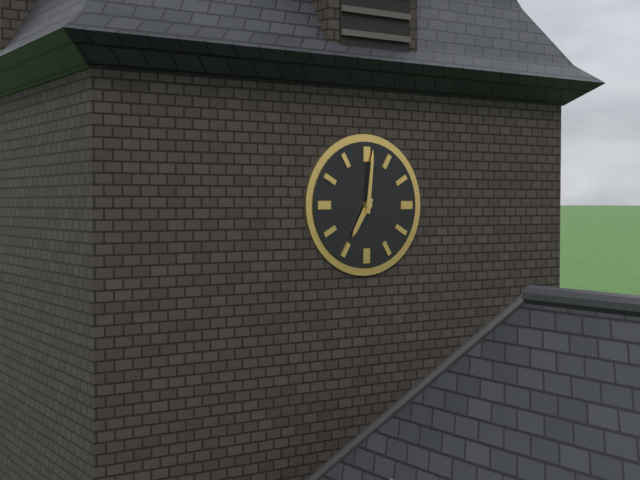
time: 7:01
